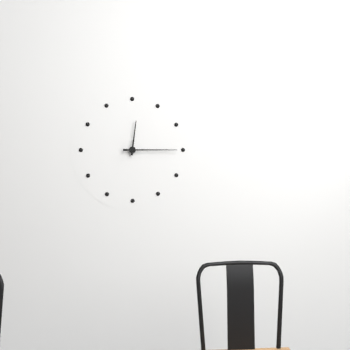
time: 12:15
